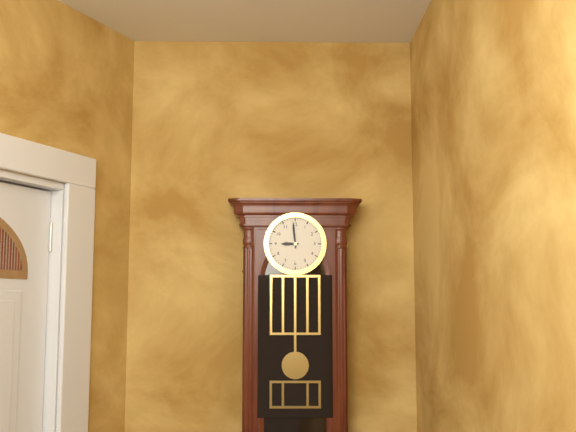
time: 8:59
